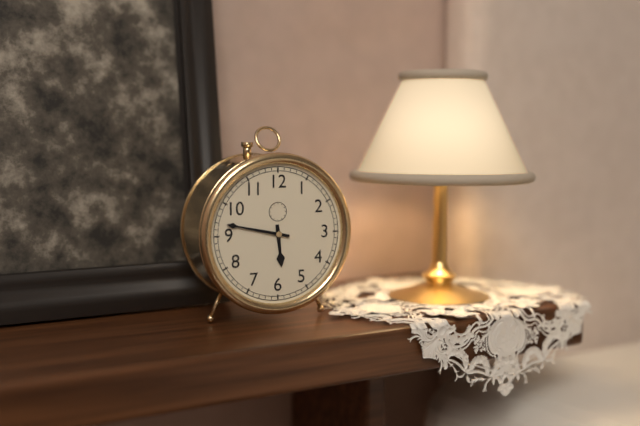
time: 5:47
